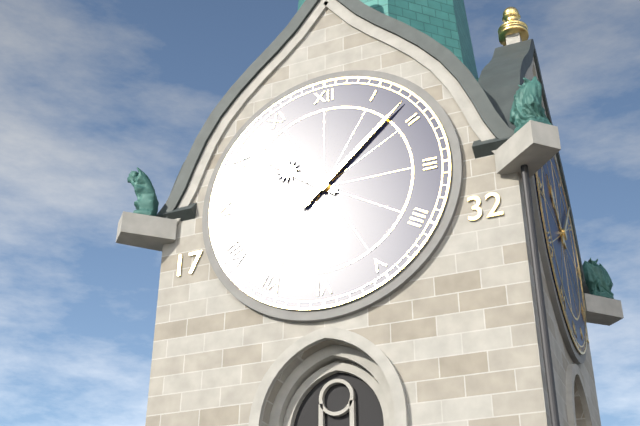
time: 10:08
